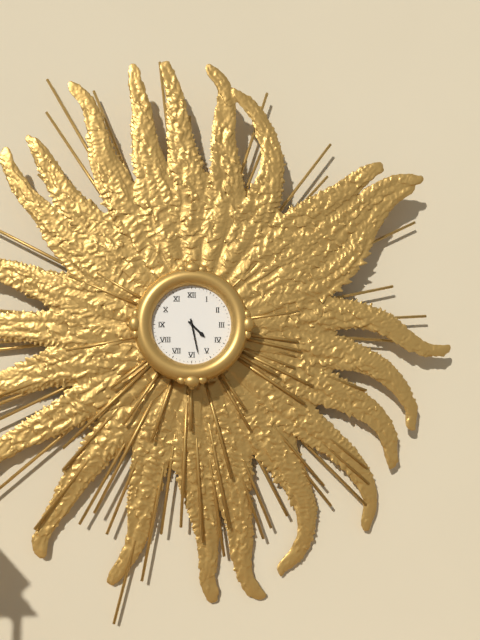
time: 4:28
